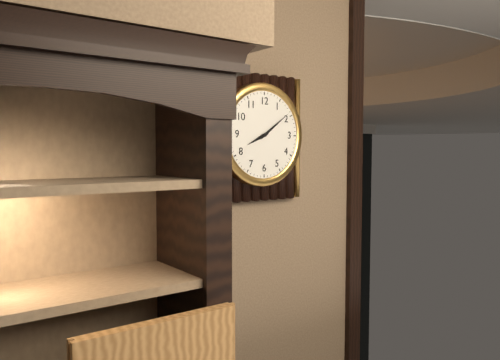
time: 8:09
